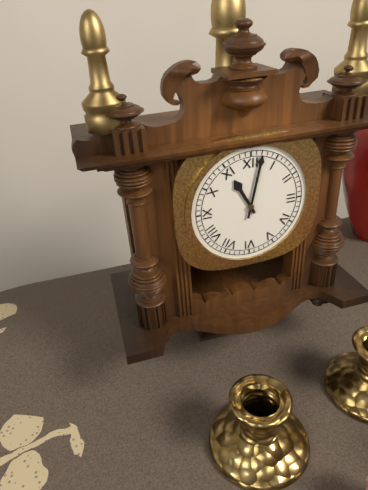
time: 11:02
